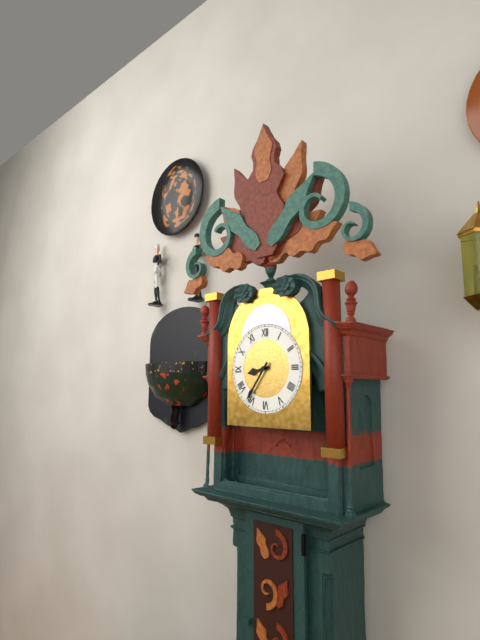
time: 8:36
